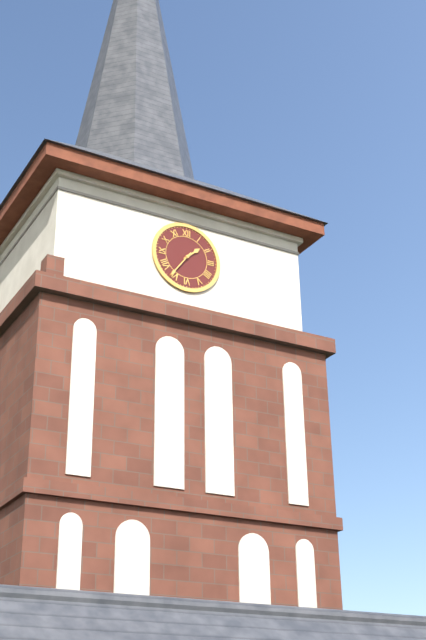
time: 1:36
